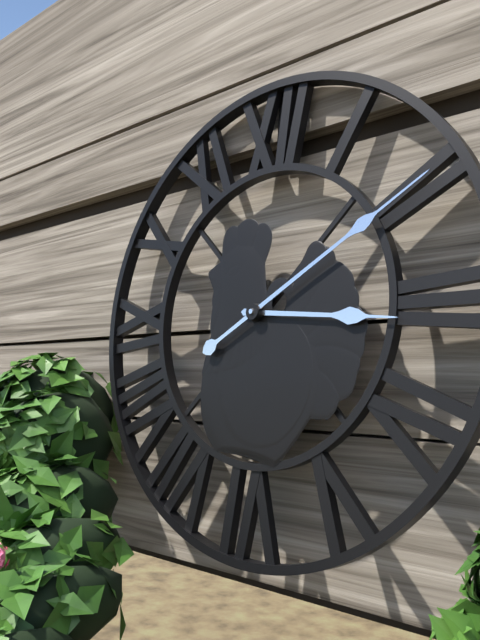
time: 3:10
